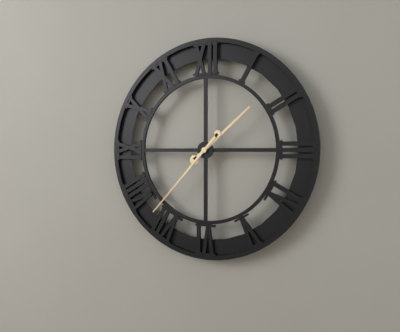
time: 1:37
